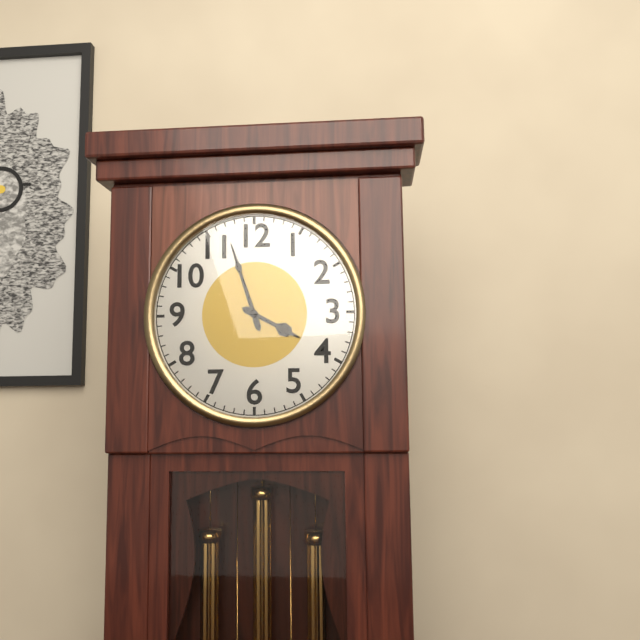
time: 3:57
